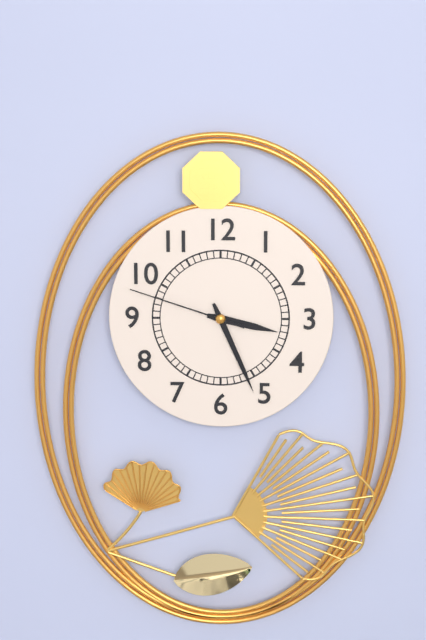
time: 3:26:48
